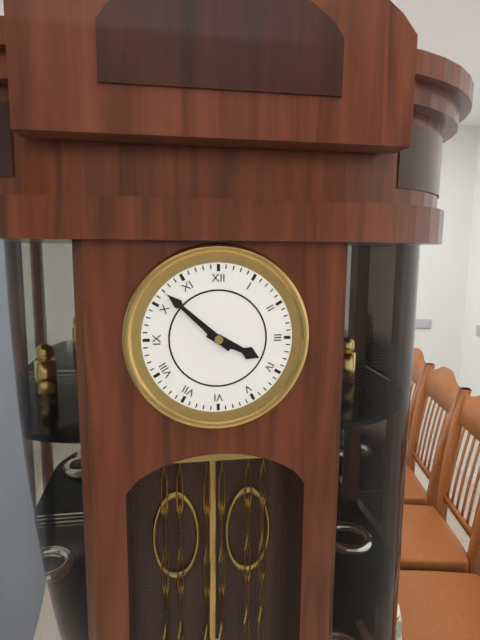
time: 3:52
